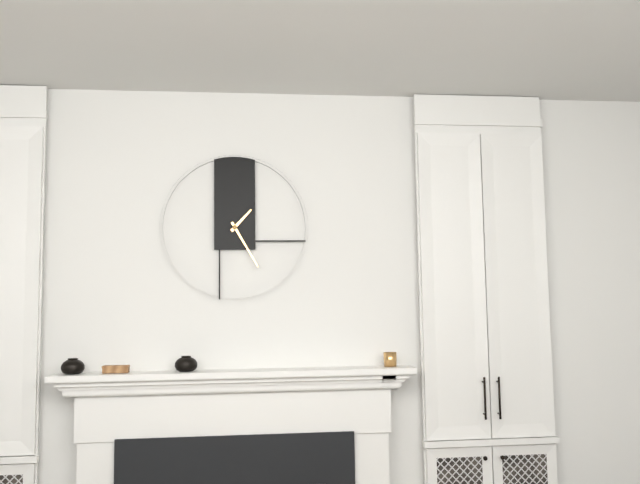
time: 1:25
